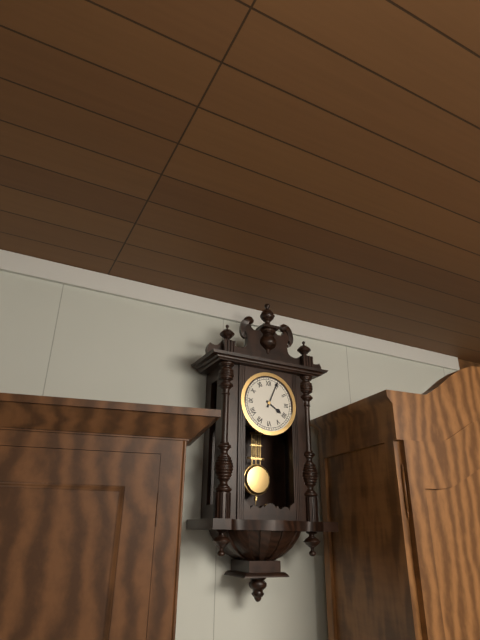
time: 4:04
